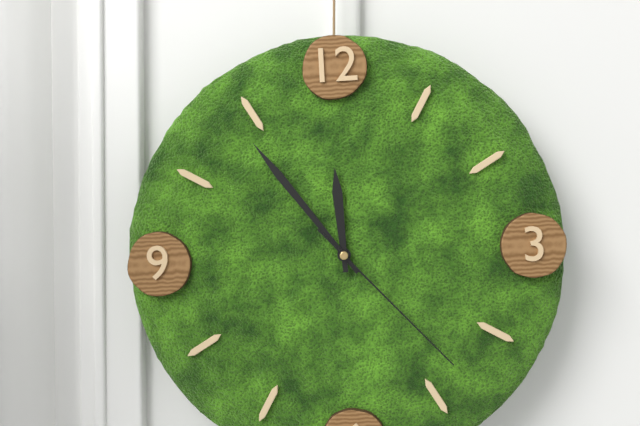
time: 11:54:23
